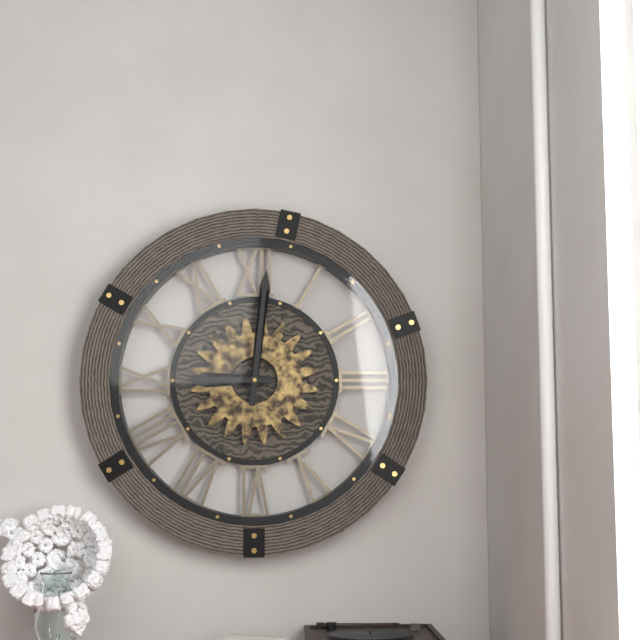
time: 9:01
